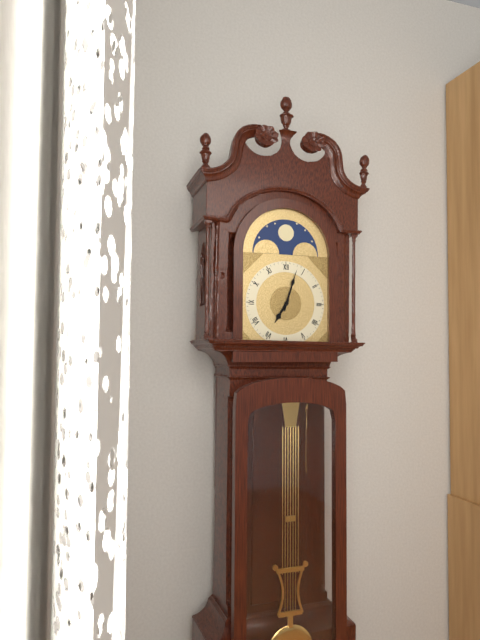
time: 7:03
